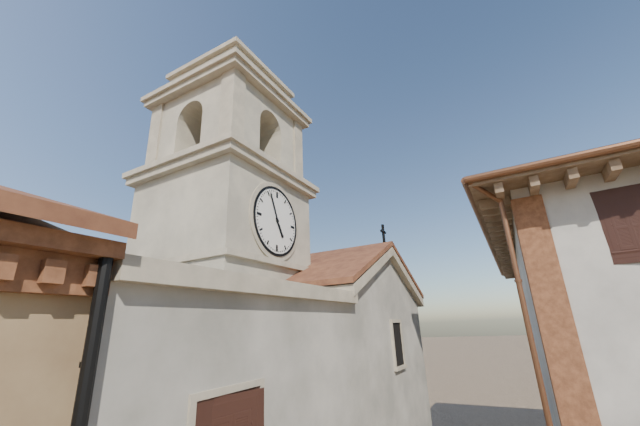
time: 4:56
